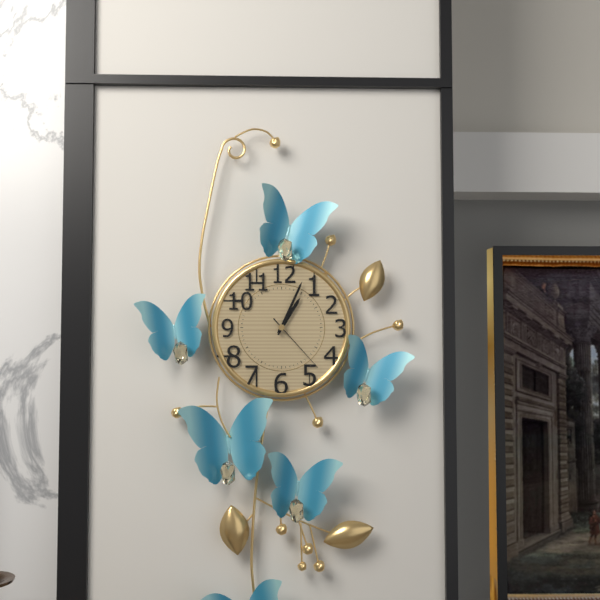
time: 1:04:23
